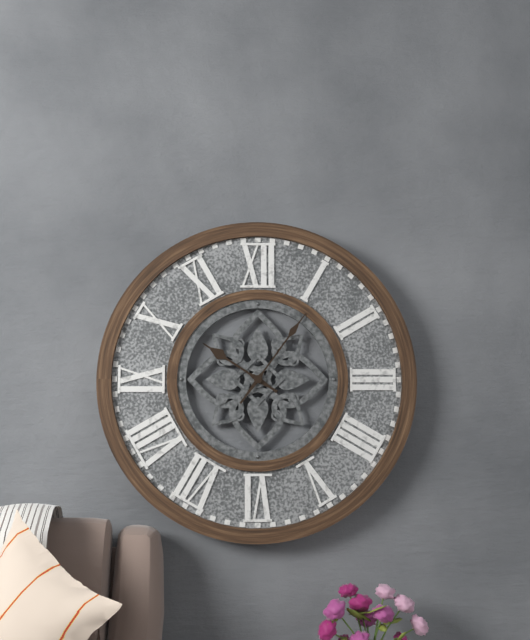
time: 10:06
